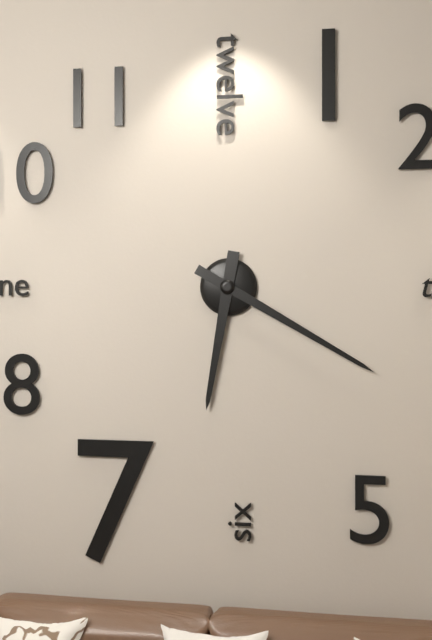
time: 6:20
